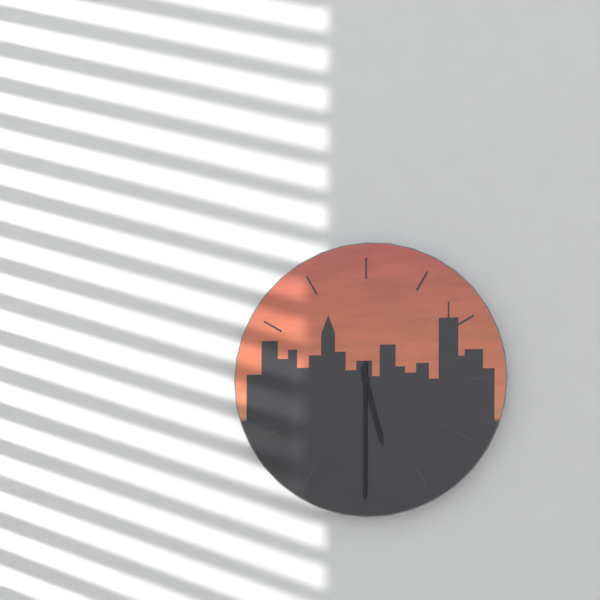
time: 5:30
